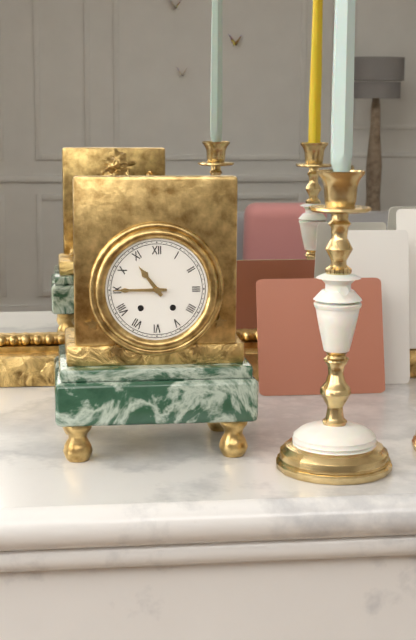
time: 10:45
